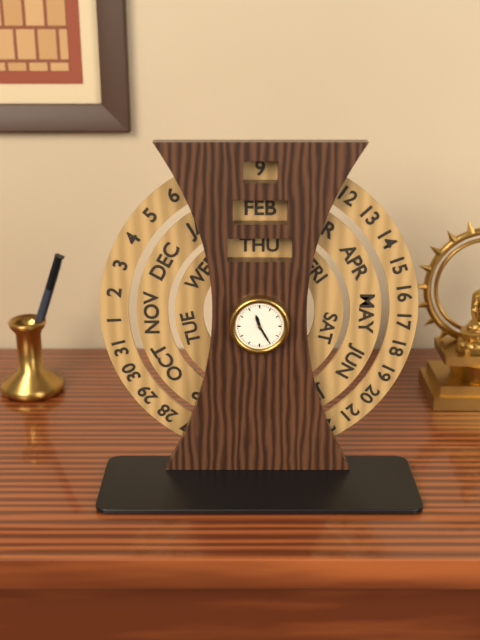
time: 11:25
